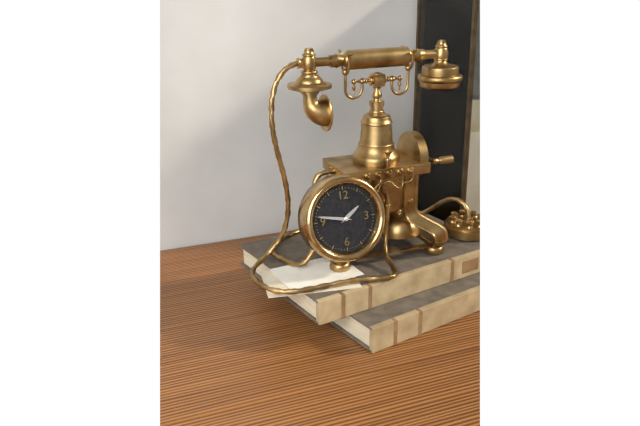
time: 1:47
